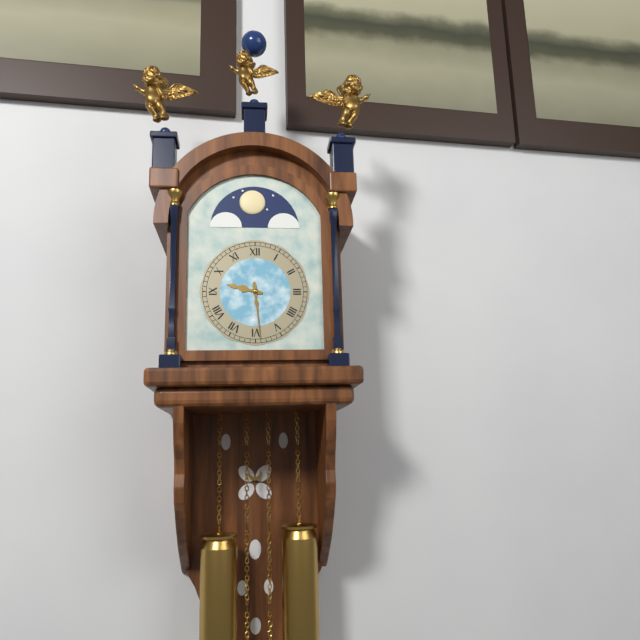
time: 9:29
